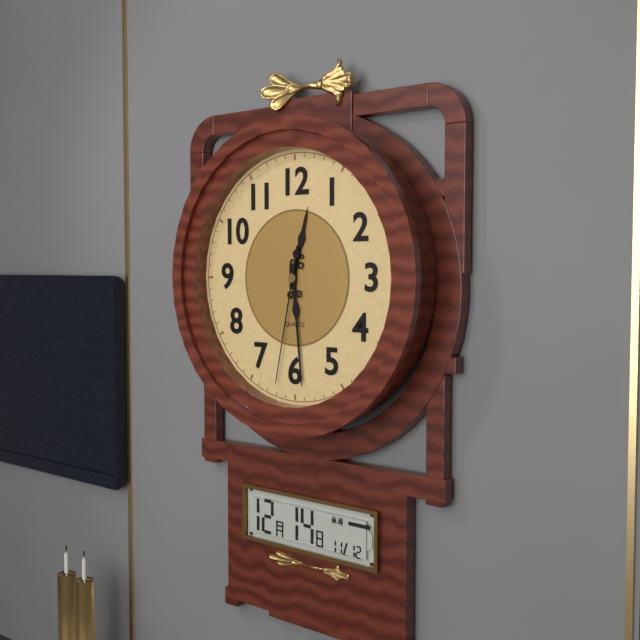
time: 12:29:32
